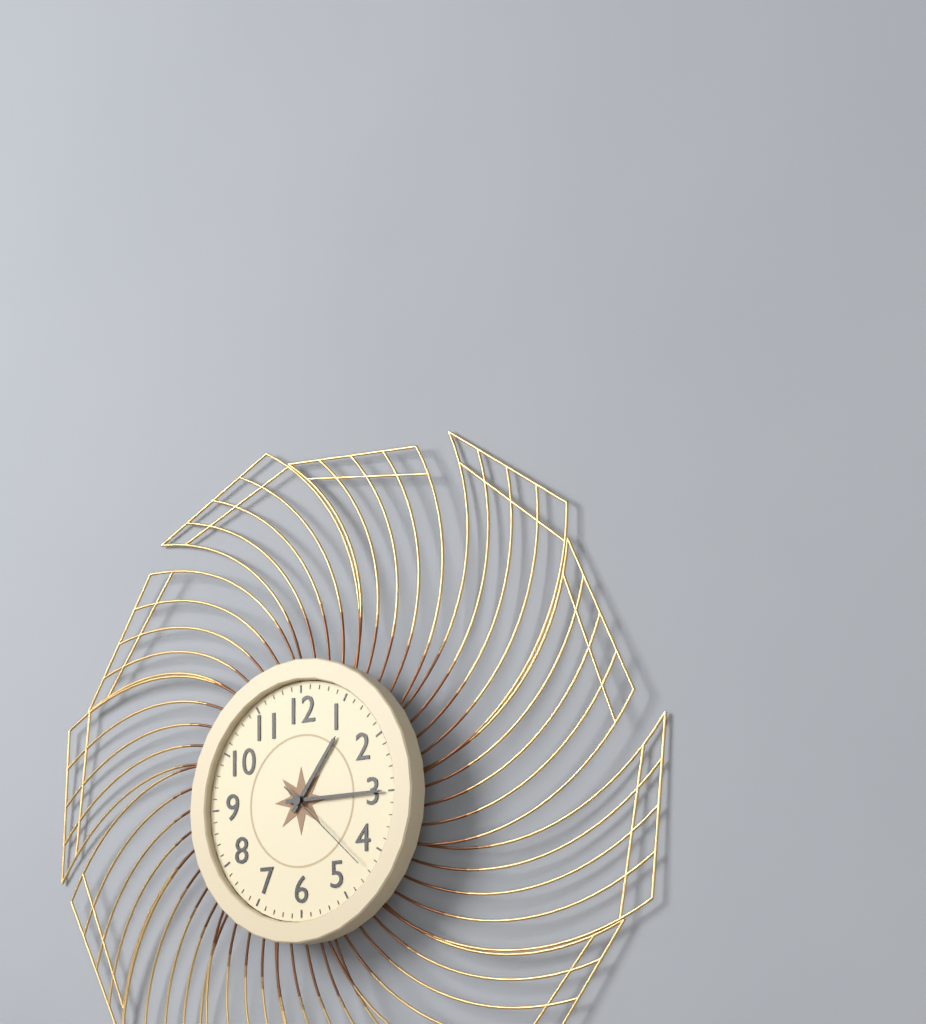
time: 1:15:22
